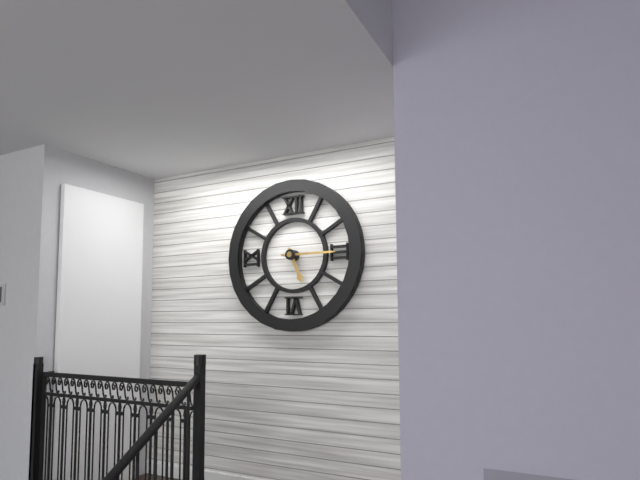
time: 5:15
